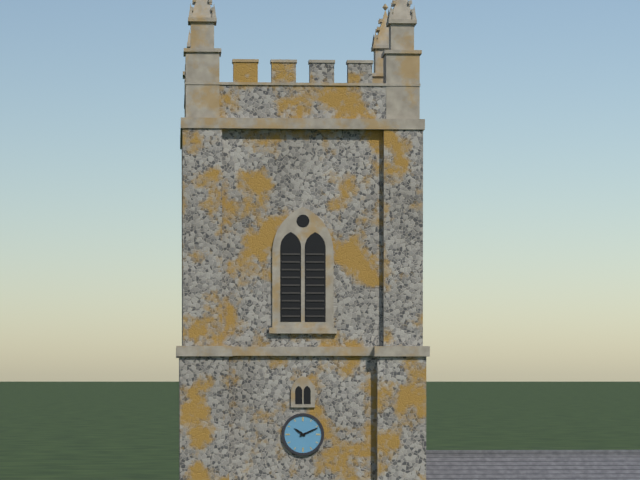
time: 10:11
